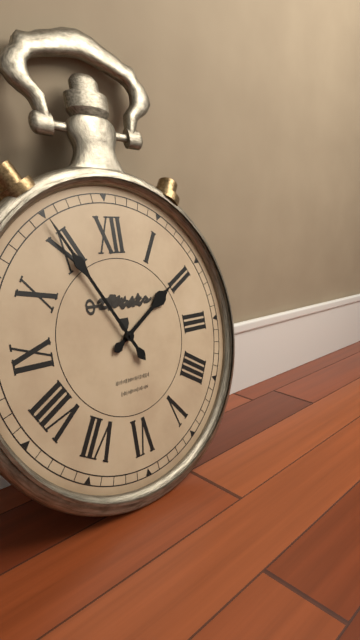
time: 1:55
